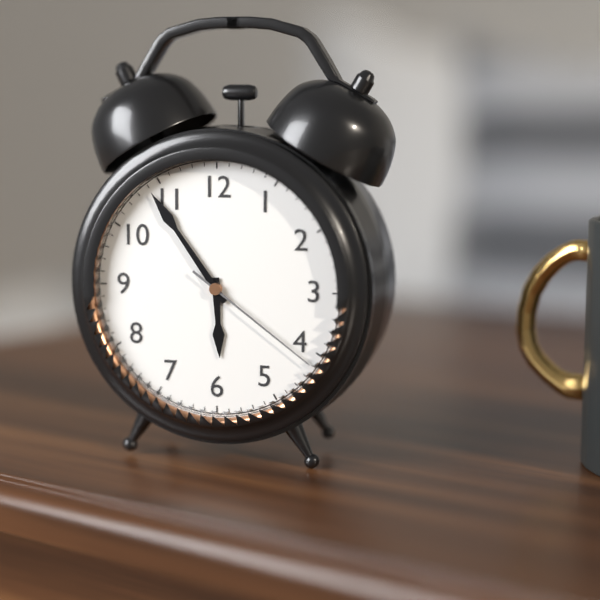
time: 5:54:21
